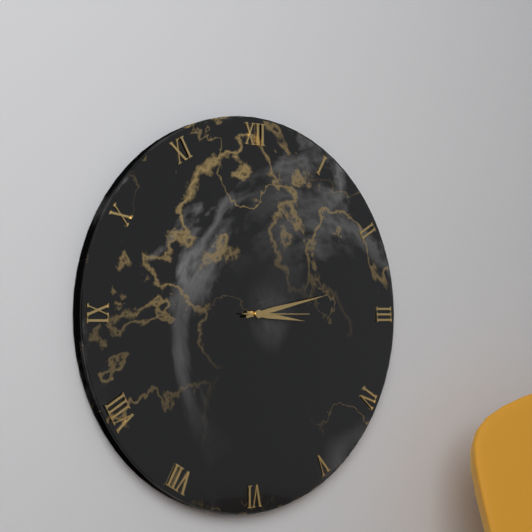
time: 3:13:15
